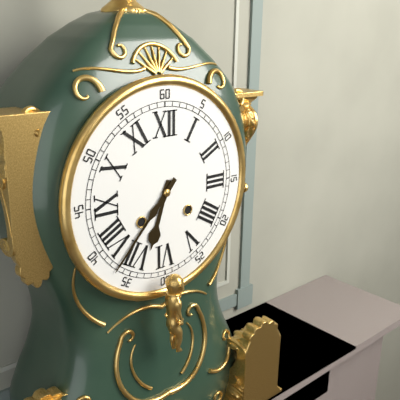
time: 6:37
